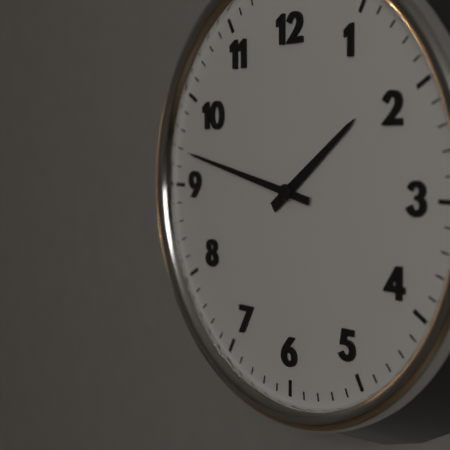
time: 1:47
